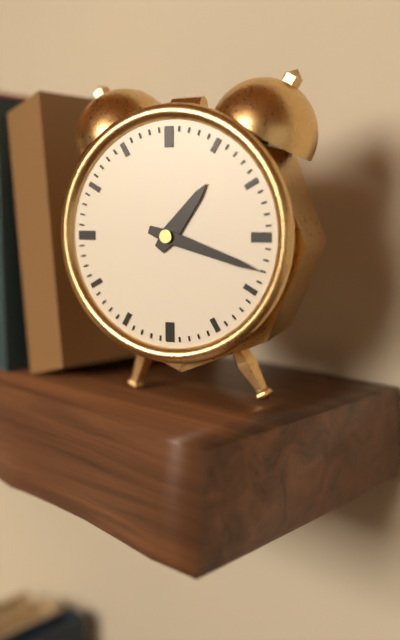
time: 1:18
